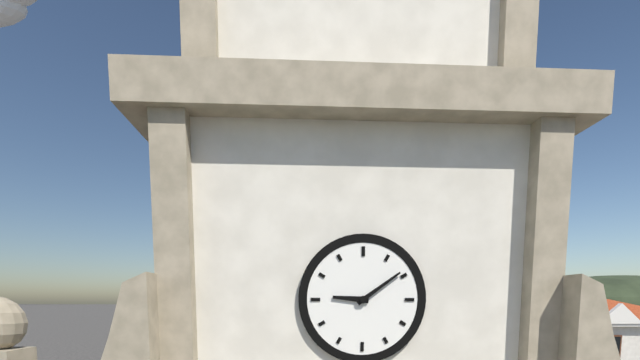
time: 9:09
